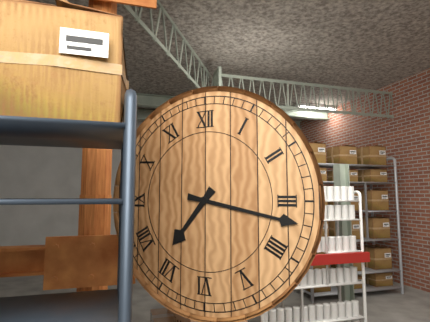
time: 7:17
